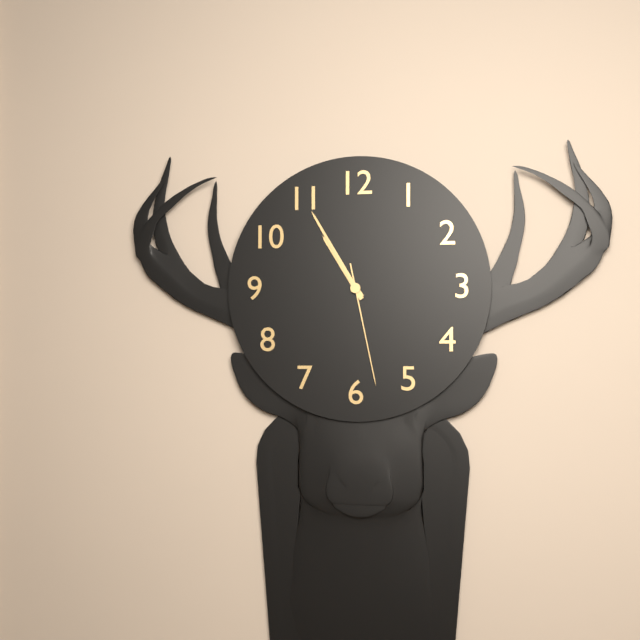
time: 10:55:28
